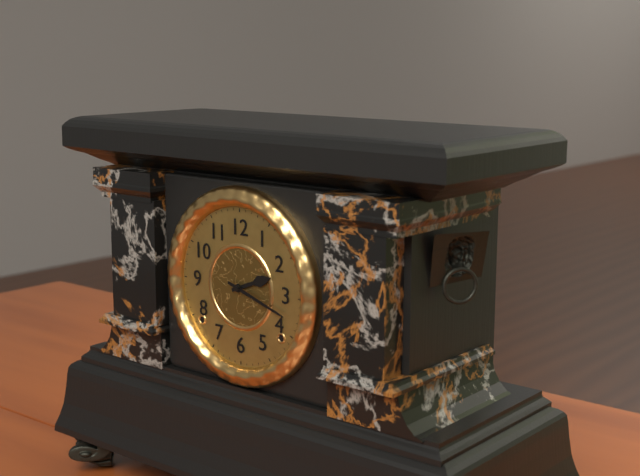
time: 2:18
